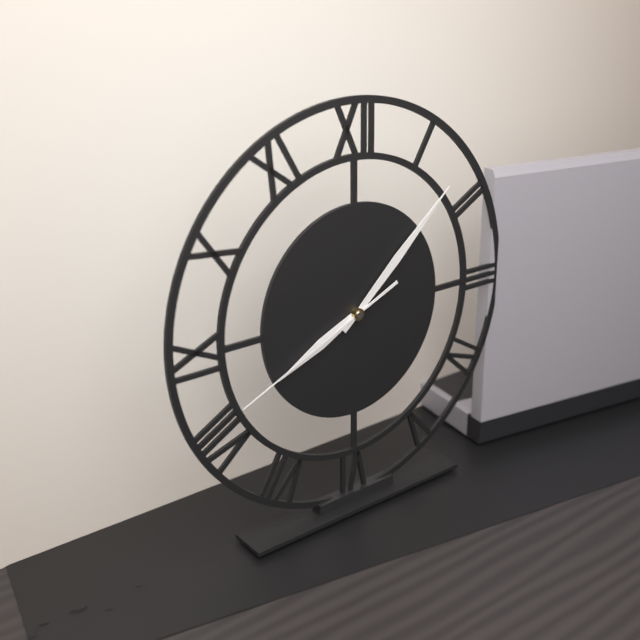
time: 8:08:41
